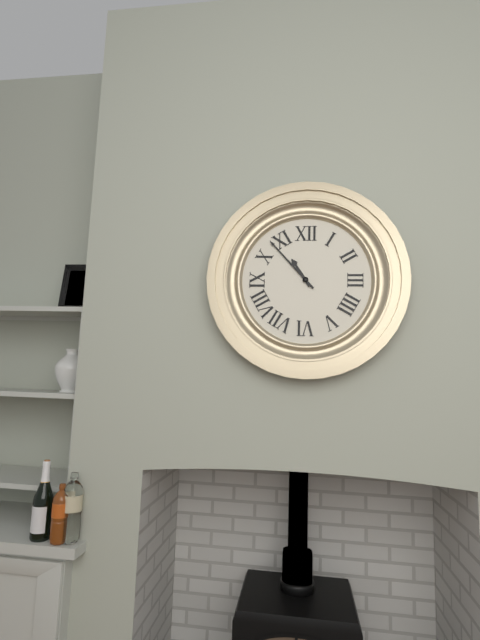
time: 10:53
